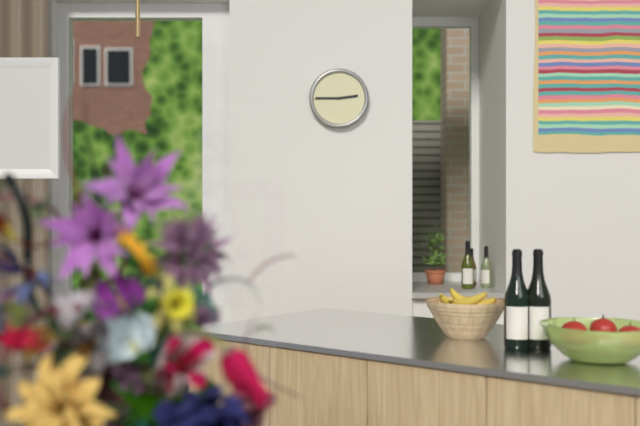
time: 2:45
